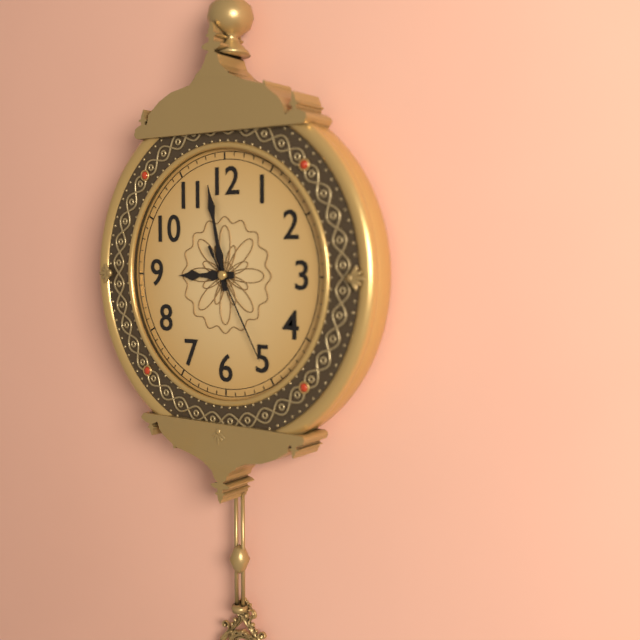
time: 8:58:25
